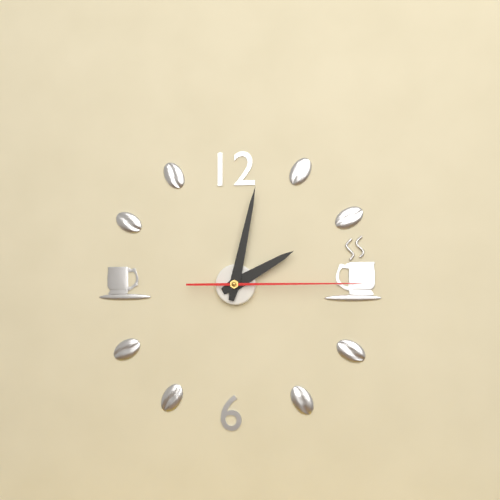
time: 2:02:15
